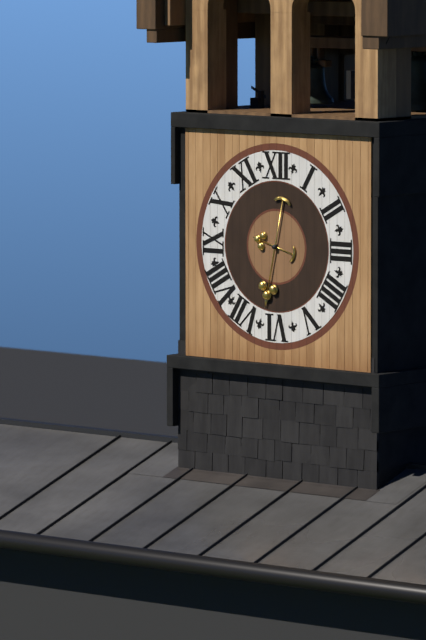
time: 9:32
